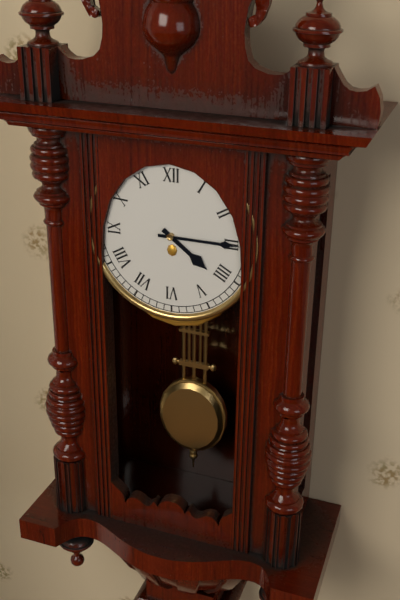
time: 4:15
